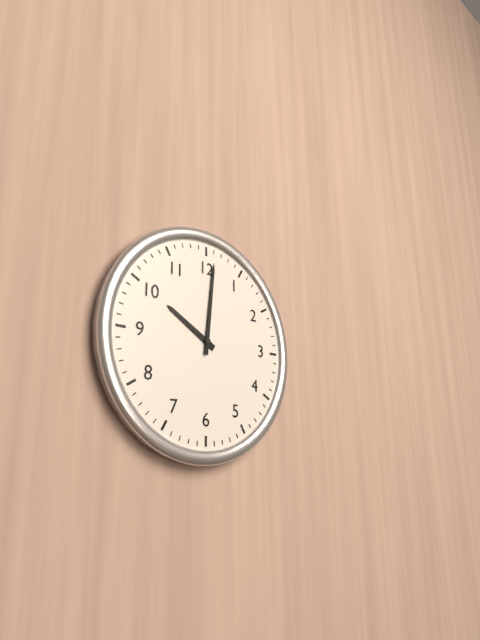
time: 10:01
